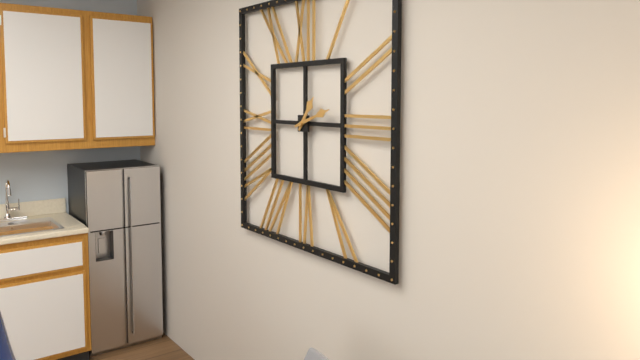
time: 1:12
